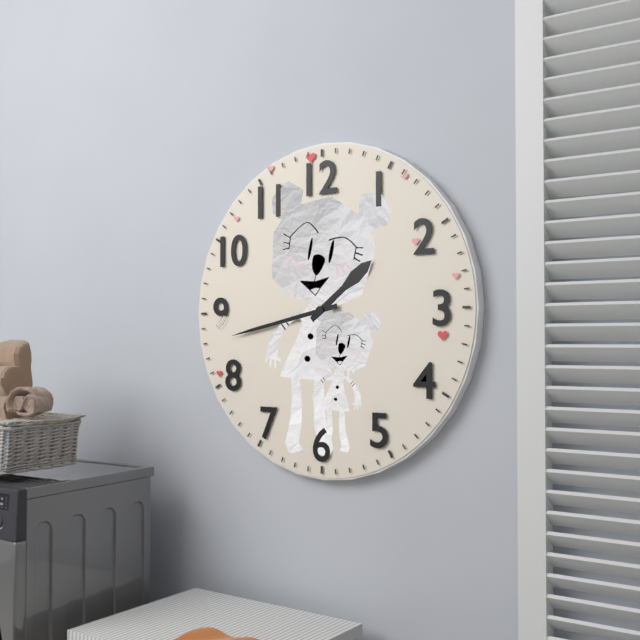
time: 1:43
